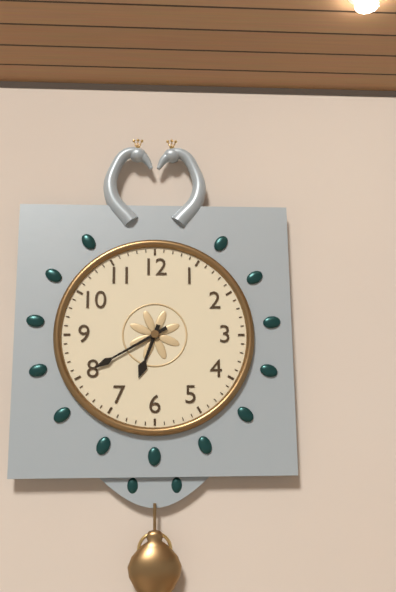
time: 6:40
